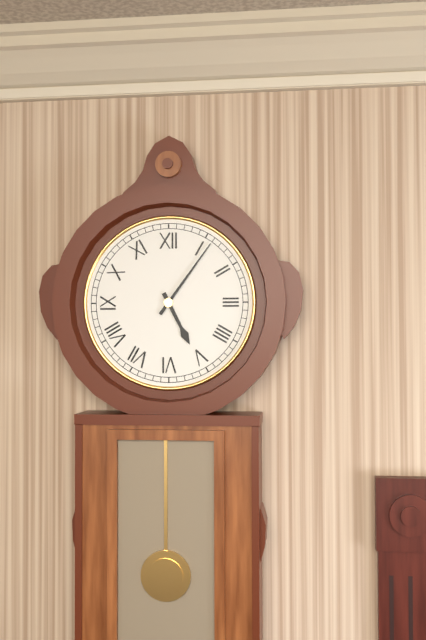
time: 5:06
